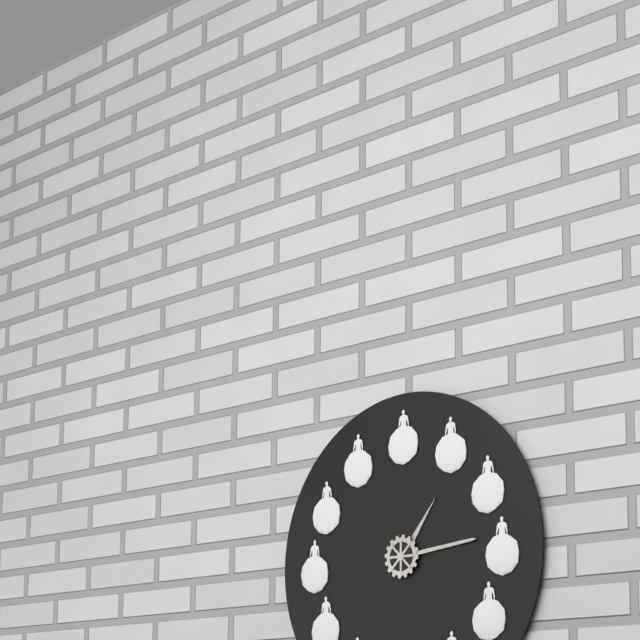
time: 1:14
